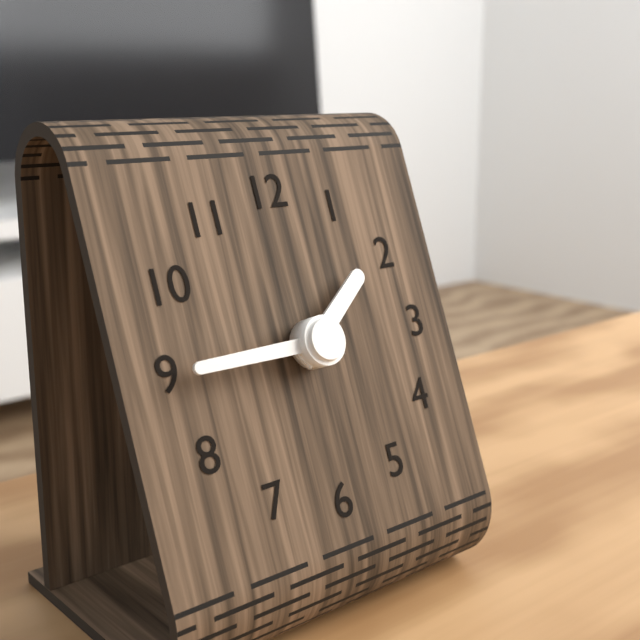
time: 1:45
